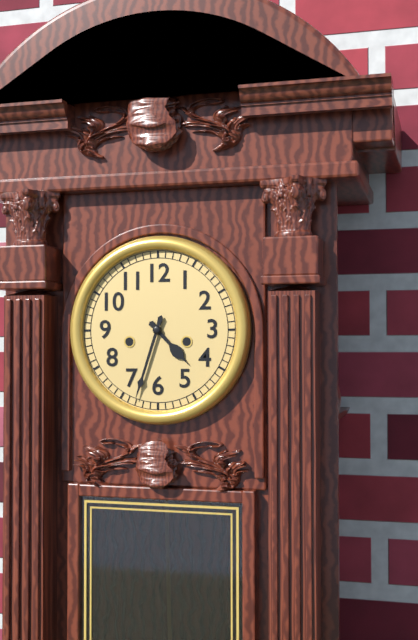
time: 4:33
